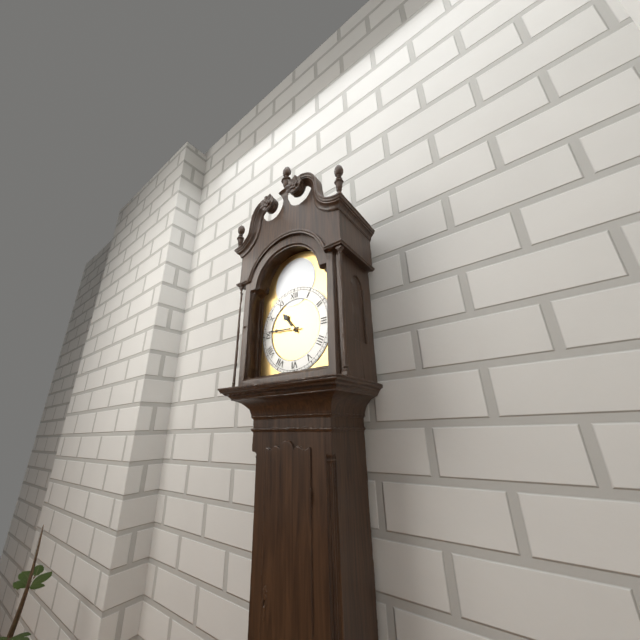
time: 10:46
